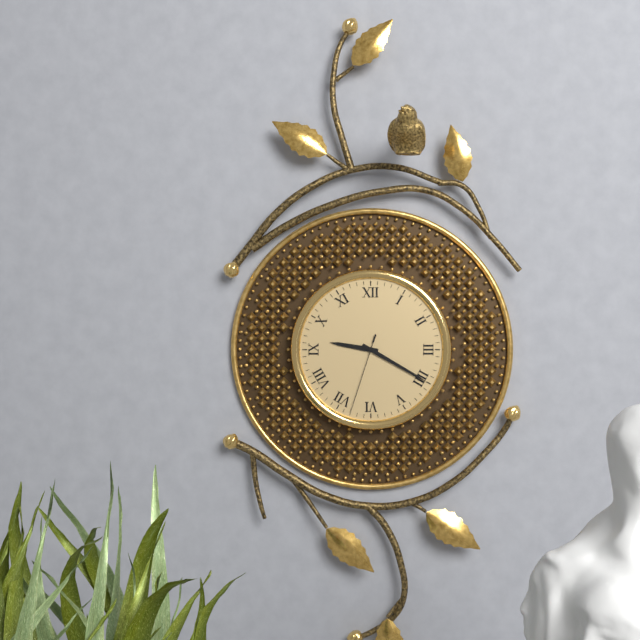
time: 9:20:33
